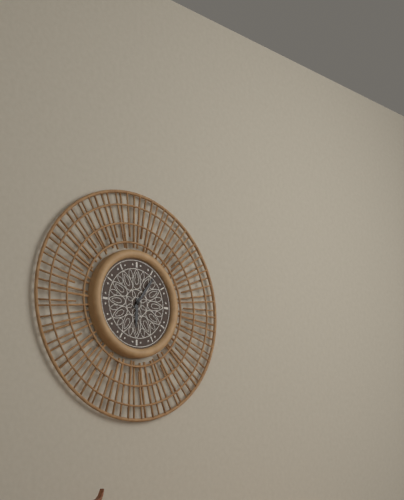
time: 6:06
